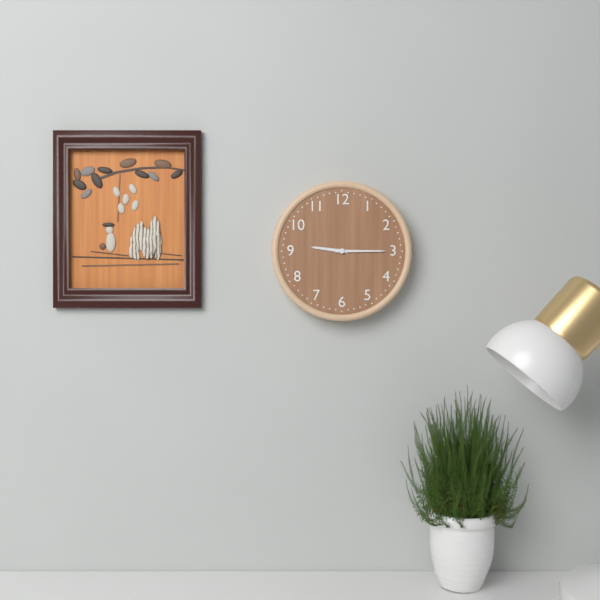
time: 9:15
